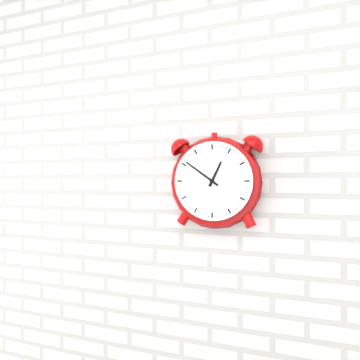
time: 12:51
